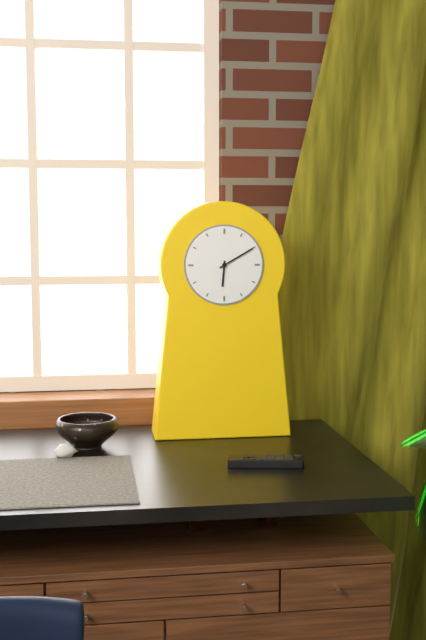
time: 6:10
